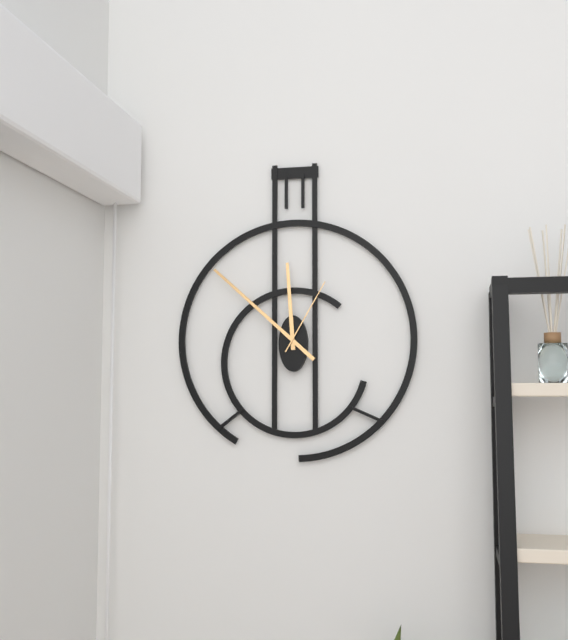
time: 11:52:05
